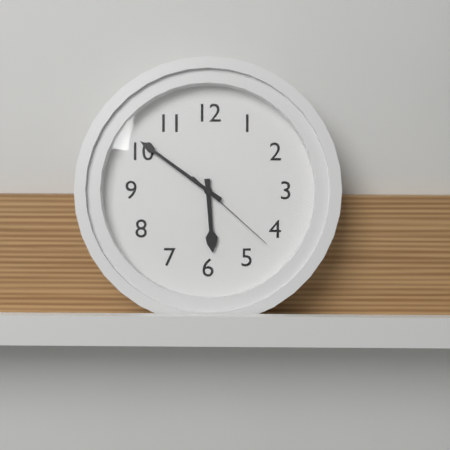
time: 5:51:22
